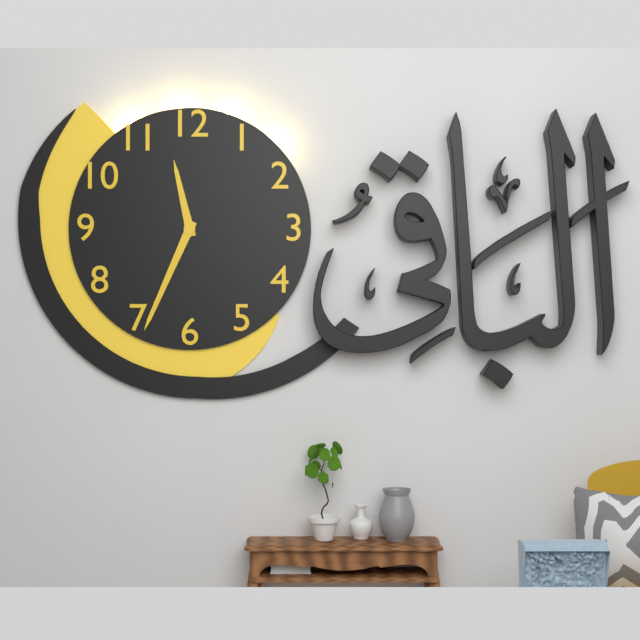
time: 11:34
